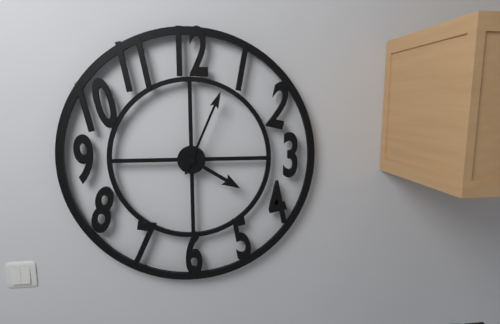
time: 4:04
